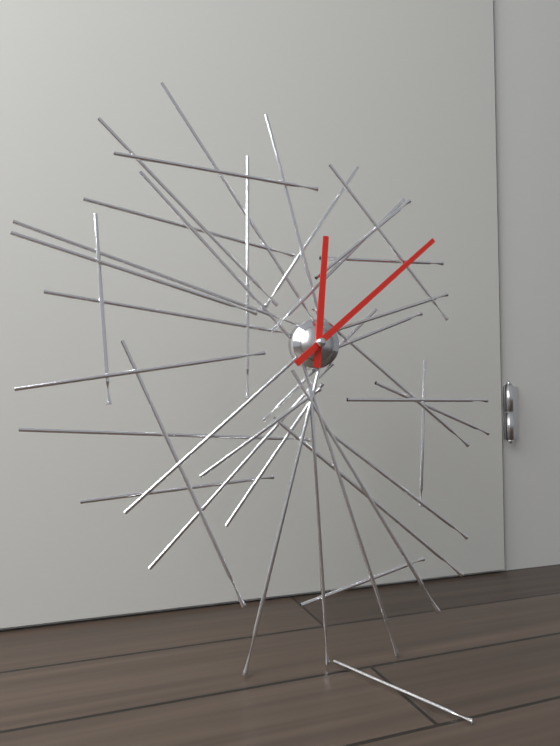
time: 12:08
